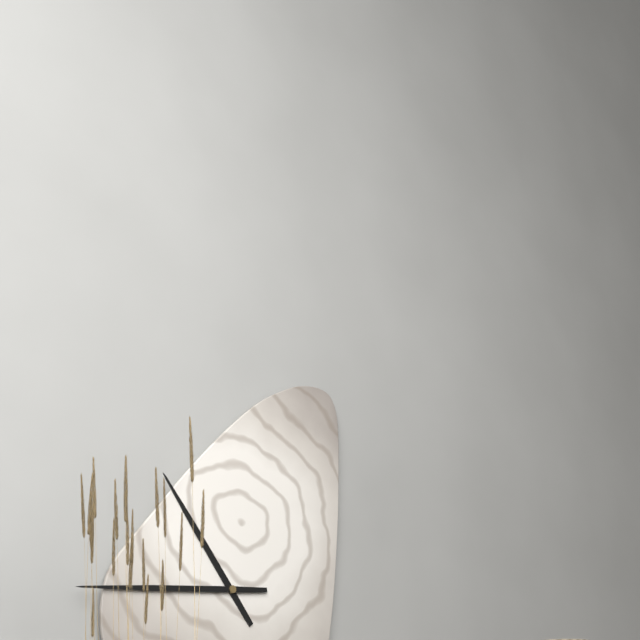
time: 10:44
